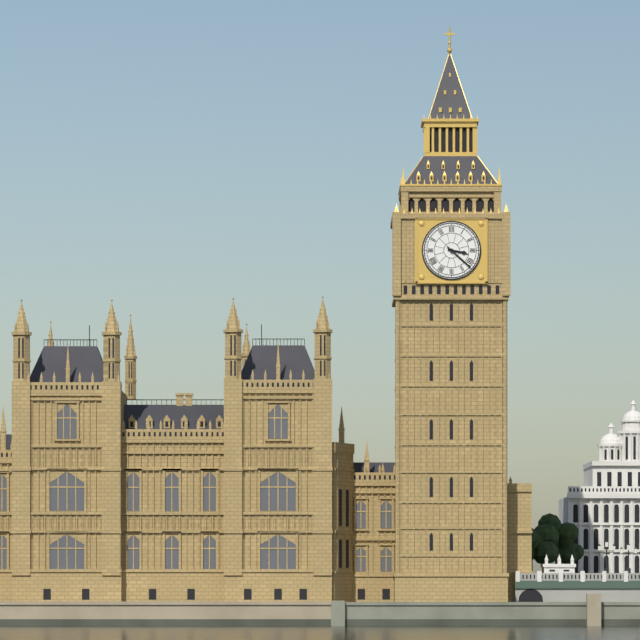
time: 3:22
